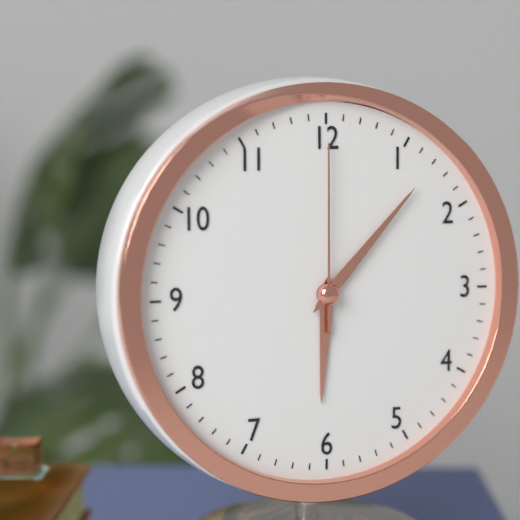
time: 6:07:00
